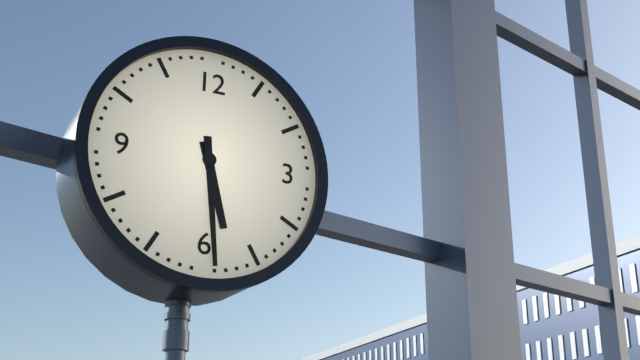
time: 5:29
